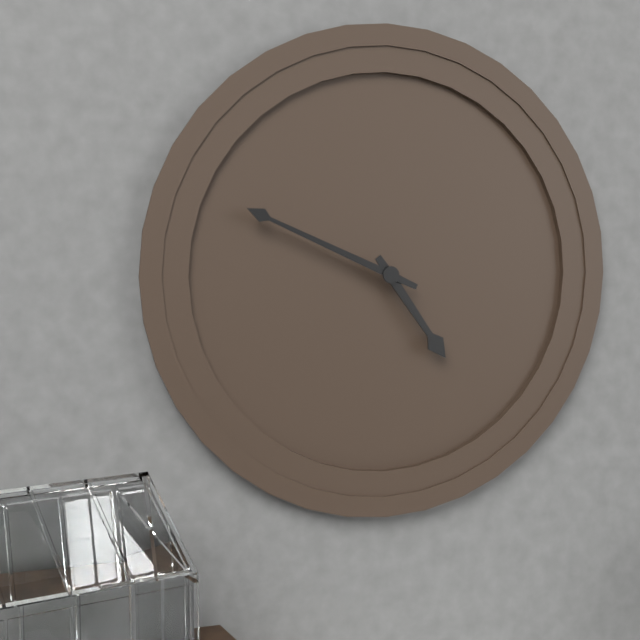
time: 4:49
